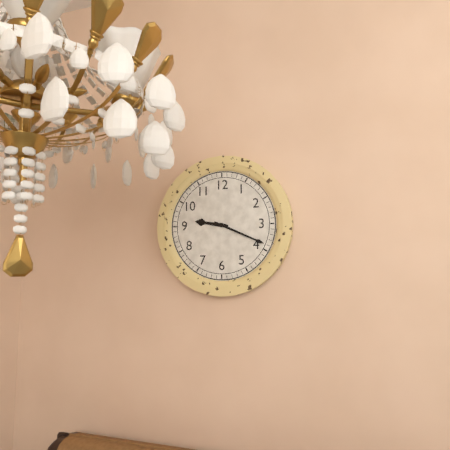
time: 9:19
